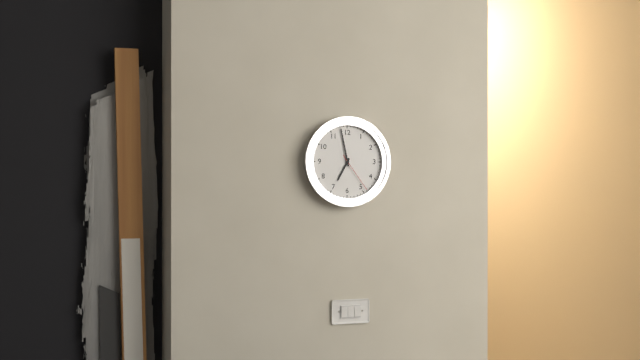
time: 6:58
